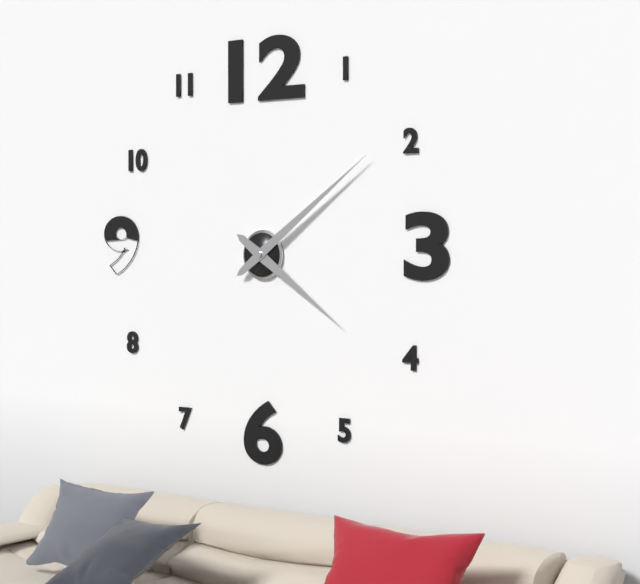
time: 4:09
